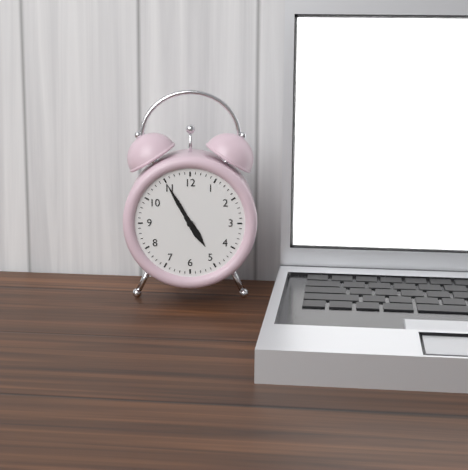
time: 4:55
